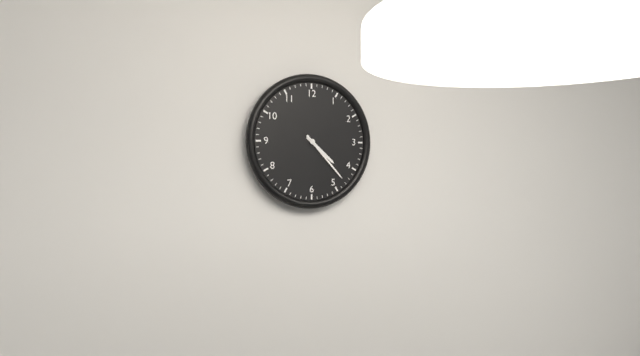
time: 4:23
